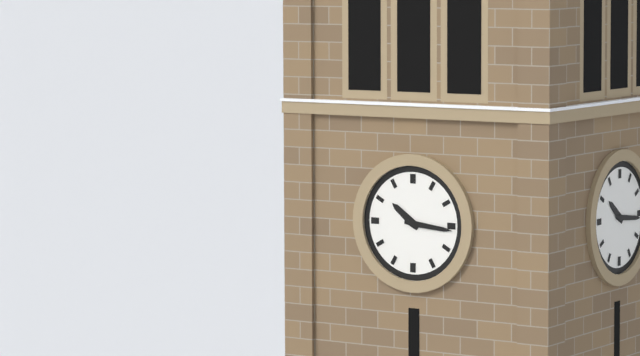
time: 10:16
